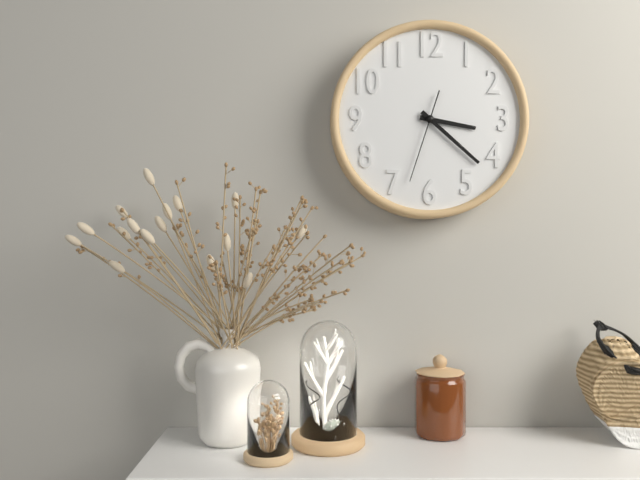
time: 3:22:33
